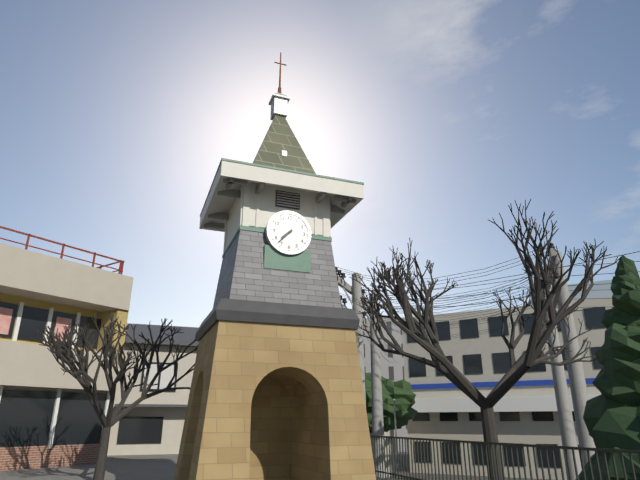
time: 7:37
